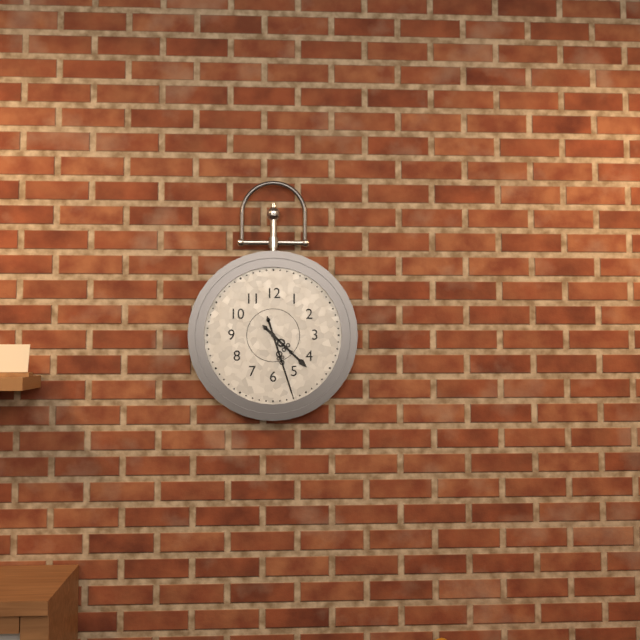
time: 4:27
